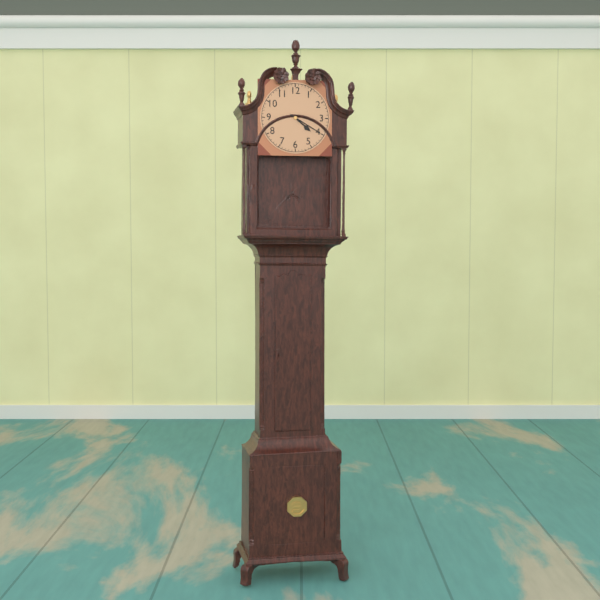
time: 4:20
